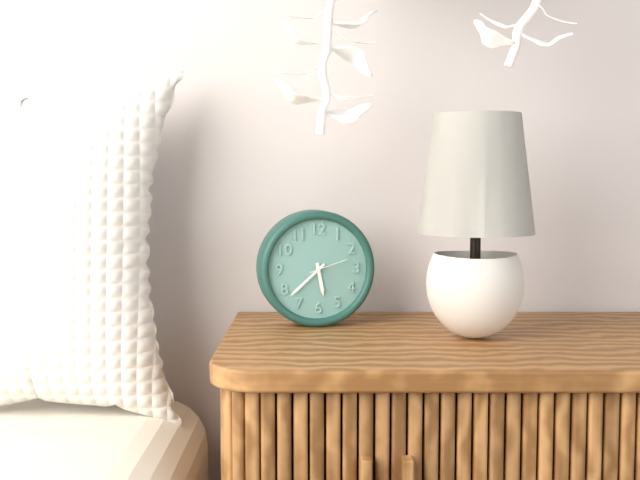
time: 5:38
